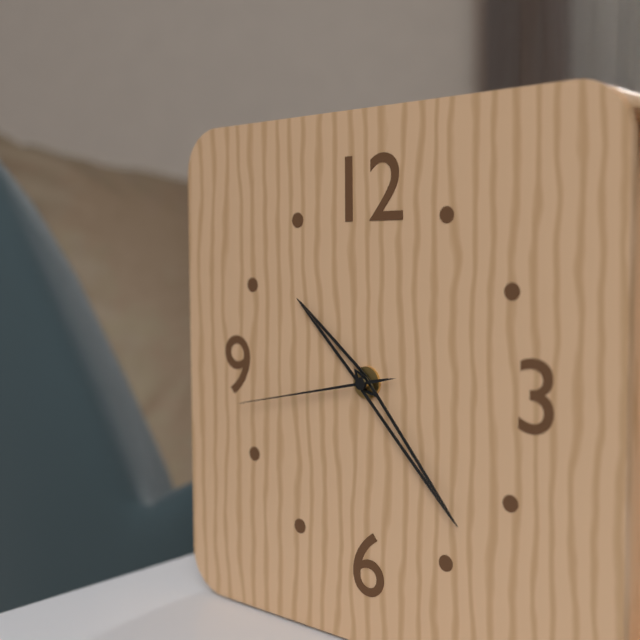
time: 10:23:43
